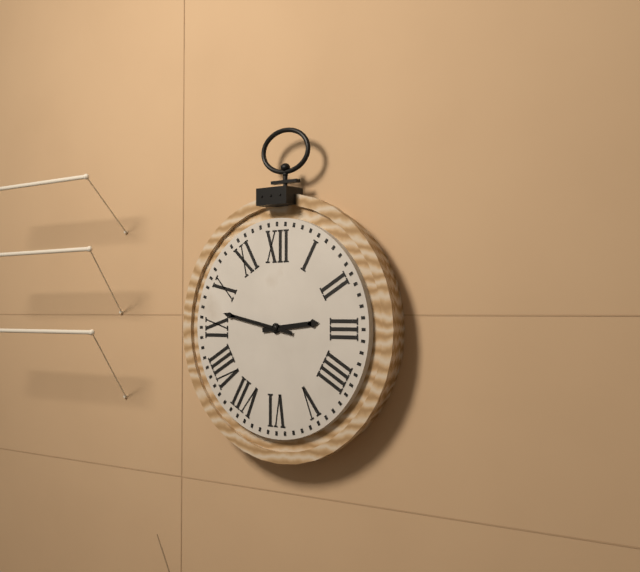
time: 2:47
